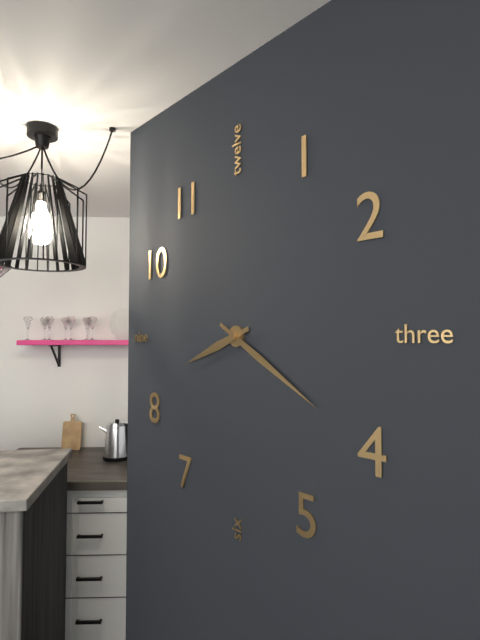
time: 8:20
